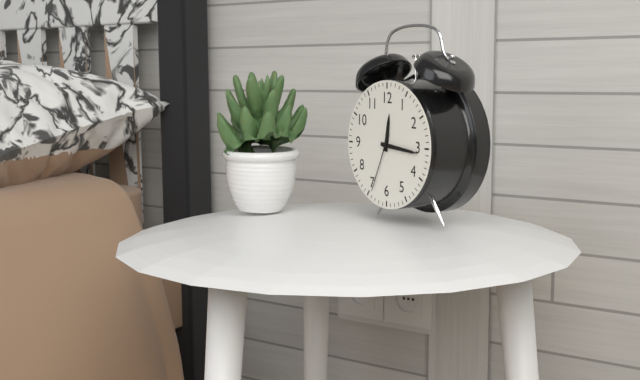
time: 12:16:34
